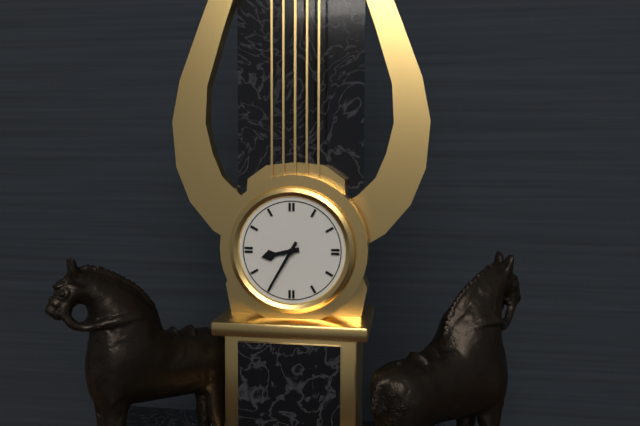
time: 8:35
